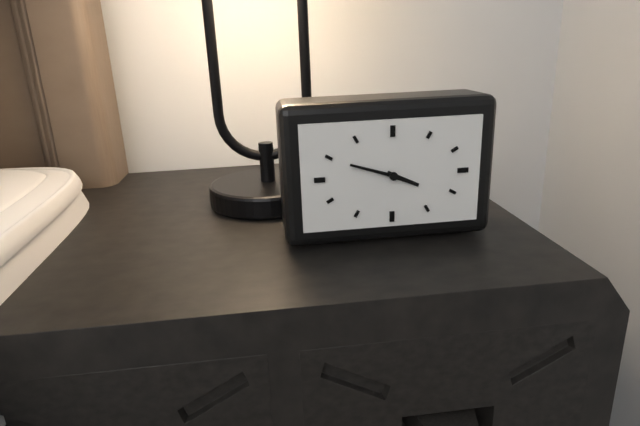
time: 3:48
